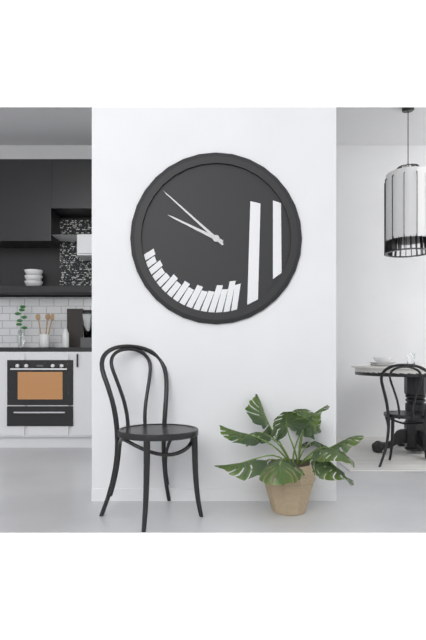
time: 9:52
